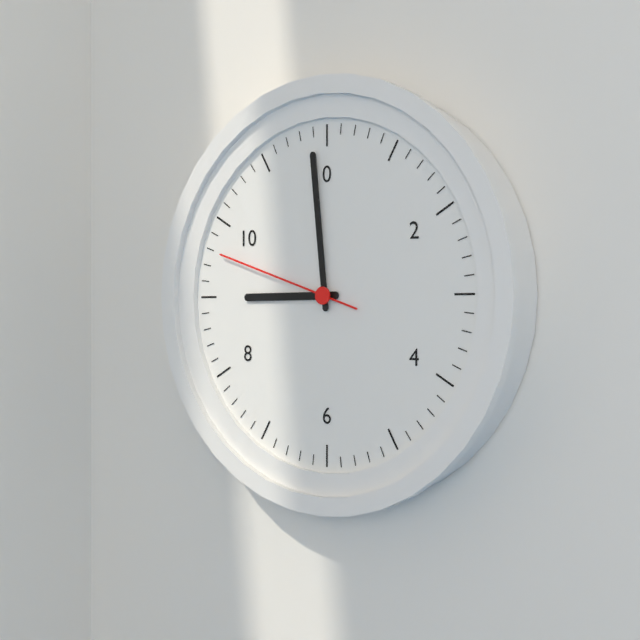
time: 8:59:48
